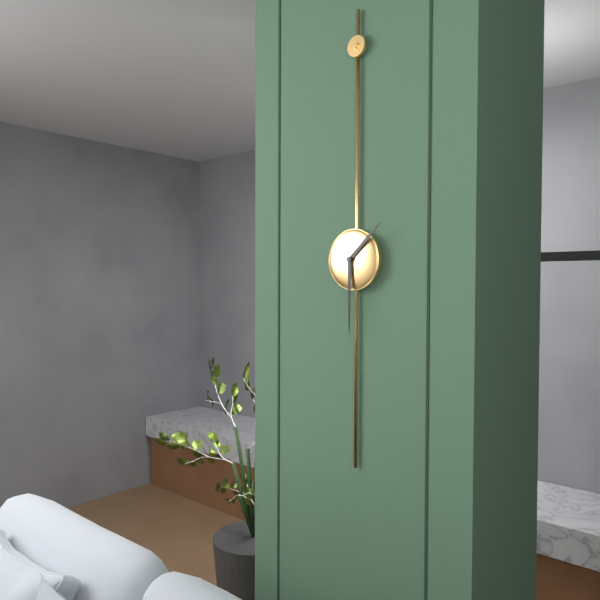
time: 1:30
